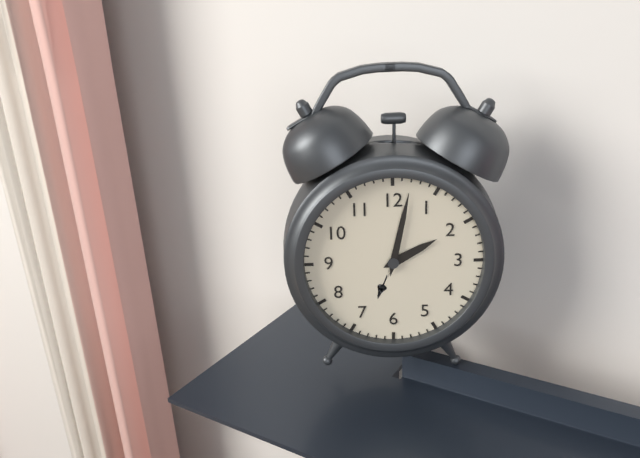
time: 2:02
